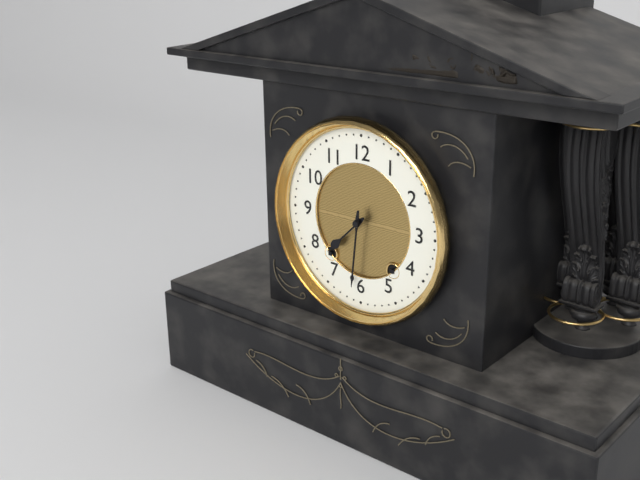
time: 7:31
